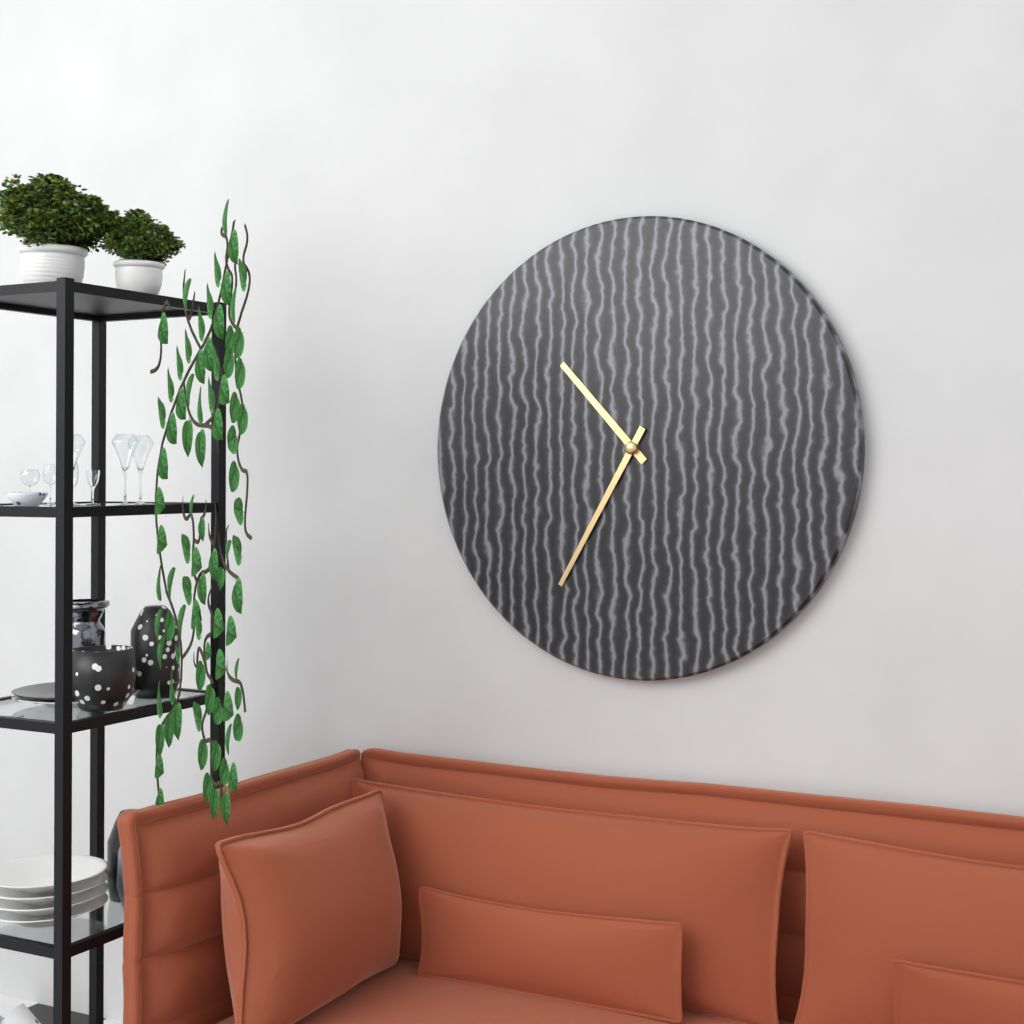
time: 10:35
